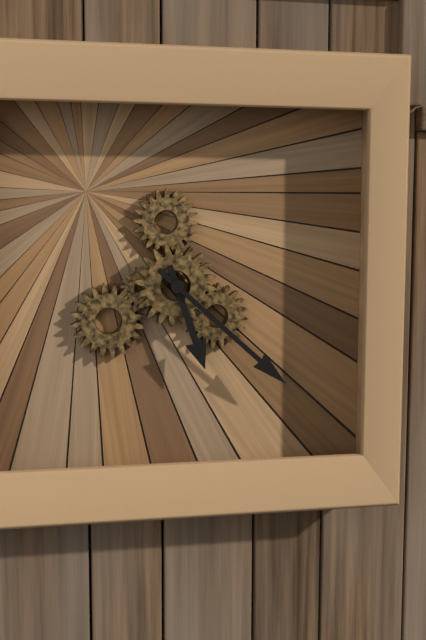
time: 5:22
